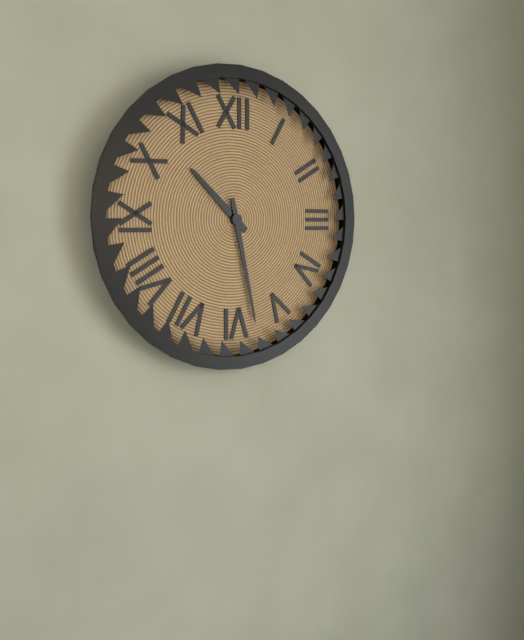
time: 10:28
